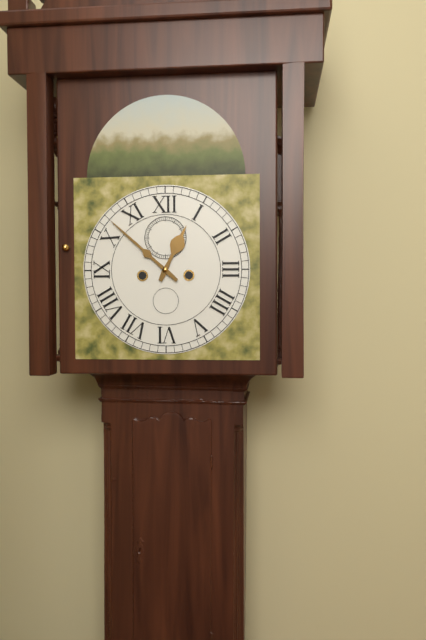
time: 12:52
